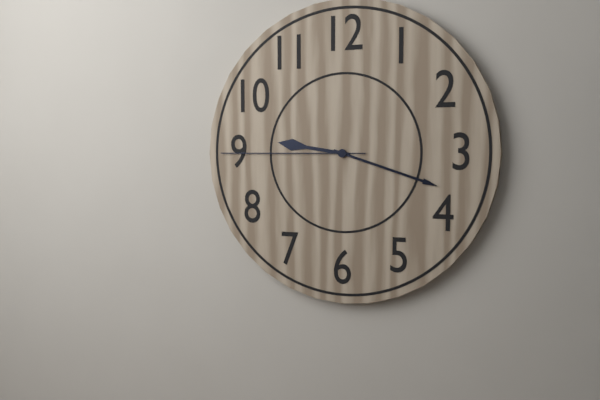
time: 9:18:45
